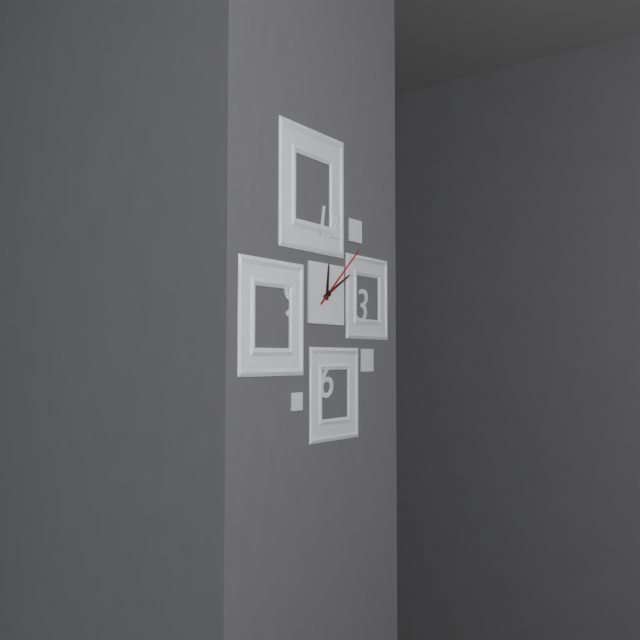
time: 12:10:08
